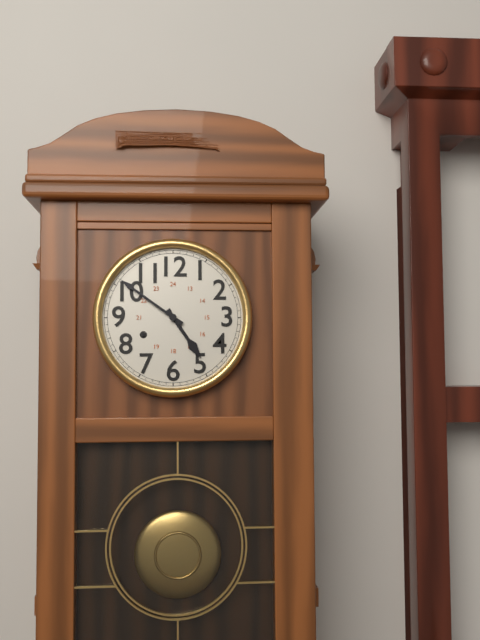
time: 4:51
